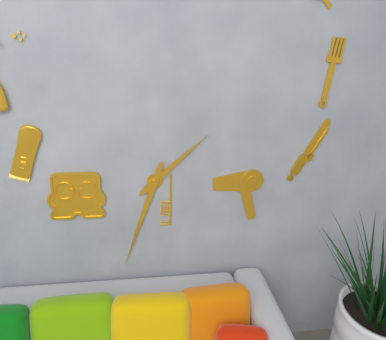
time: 1:33
